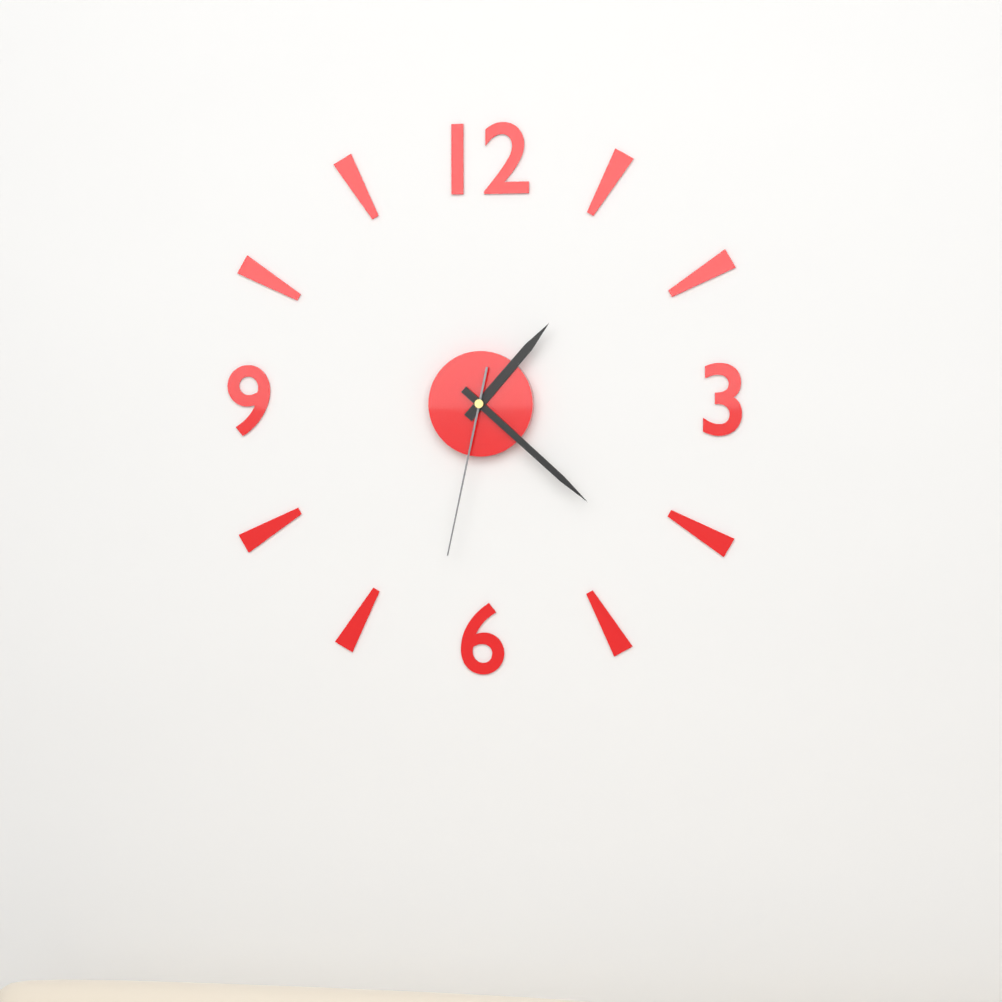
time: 1:22:32
